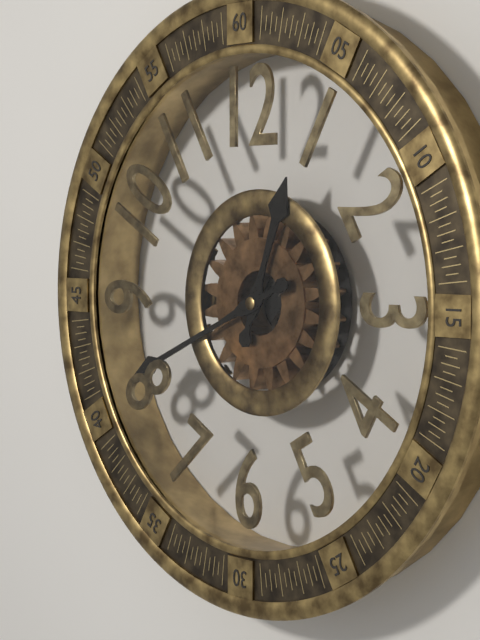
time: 12:41
